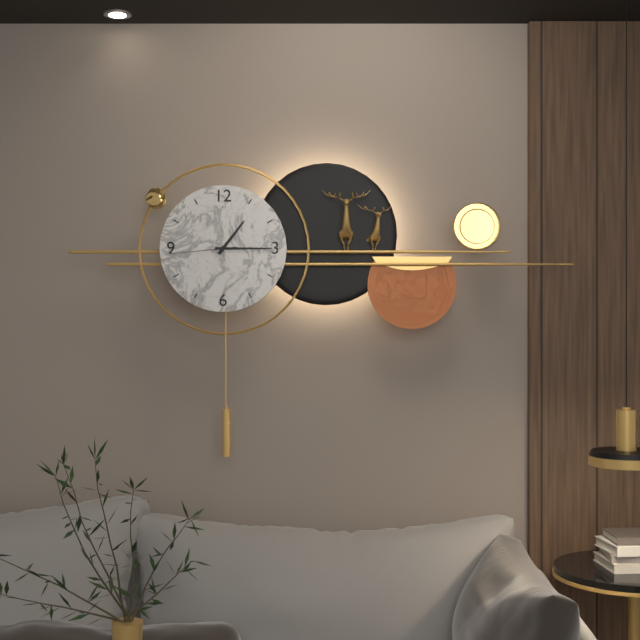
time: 1:15:44
